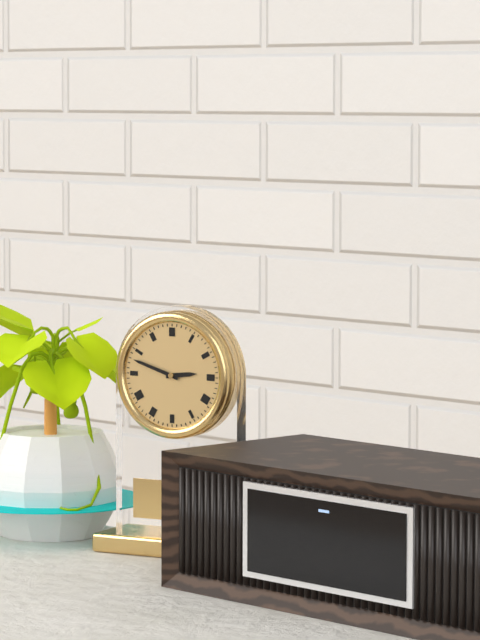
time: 2:48
